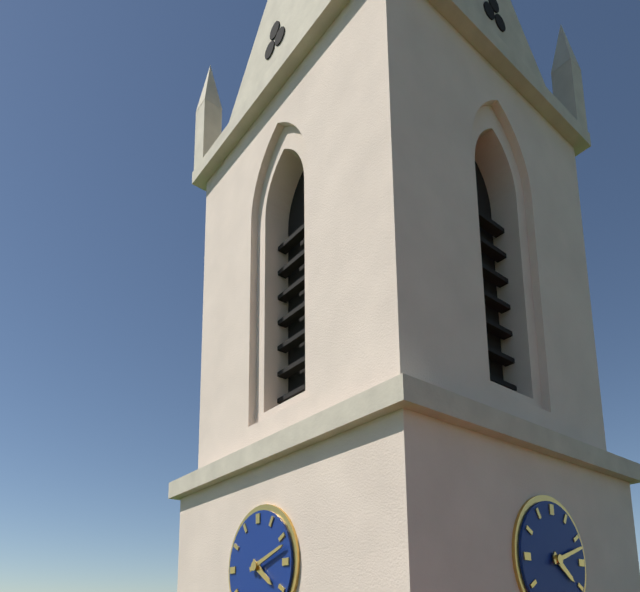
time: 4:12
